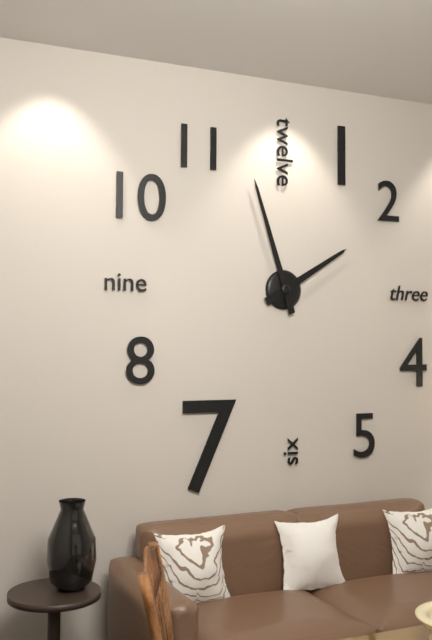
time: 1:57
